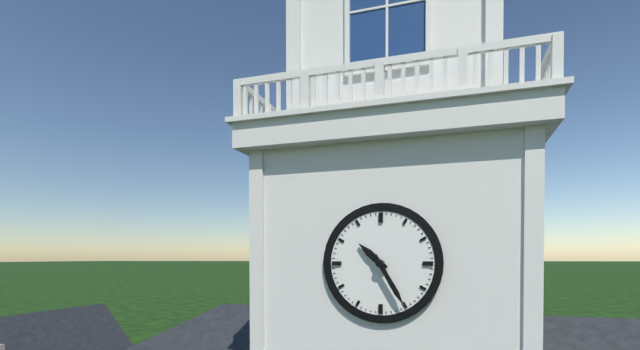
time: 10:25
